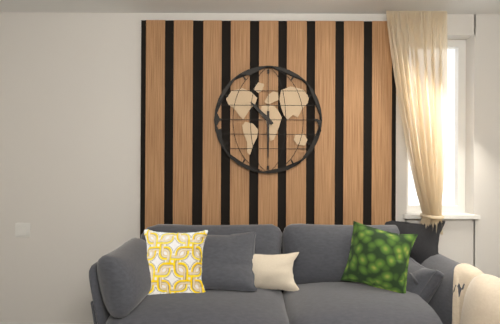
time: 10:30
